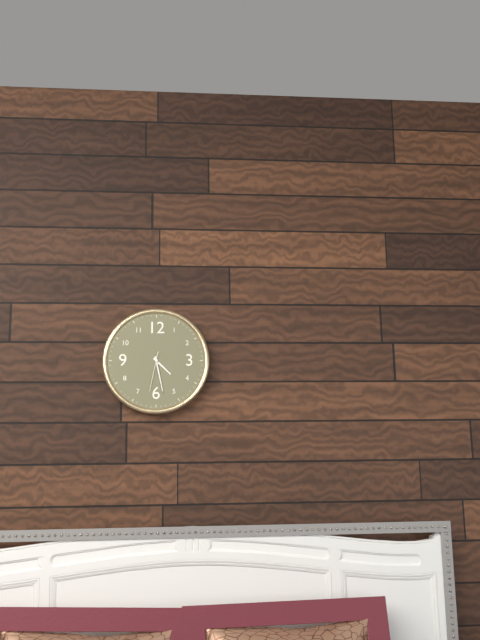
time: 4:28
